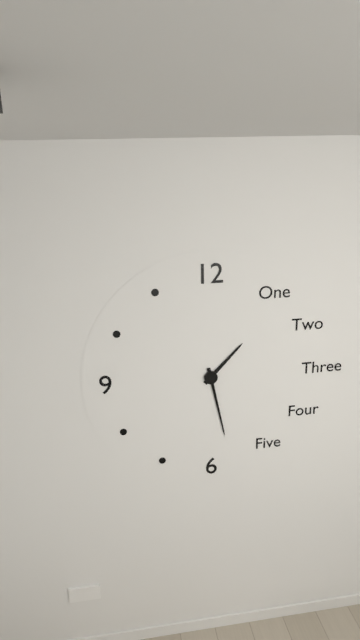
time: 1:28
